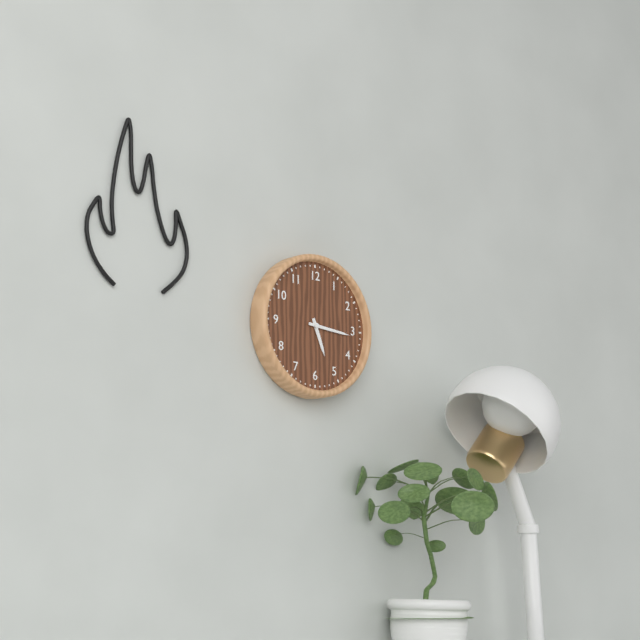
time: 5:16
